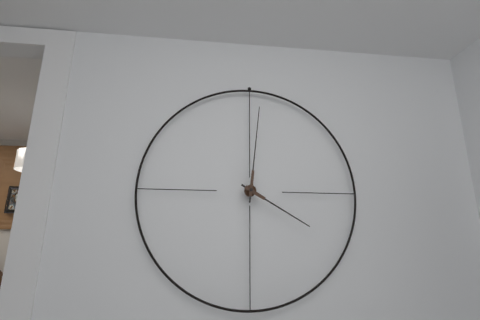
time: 4:01
